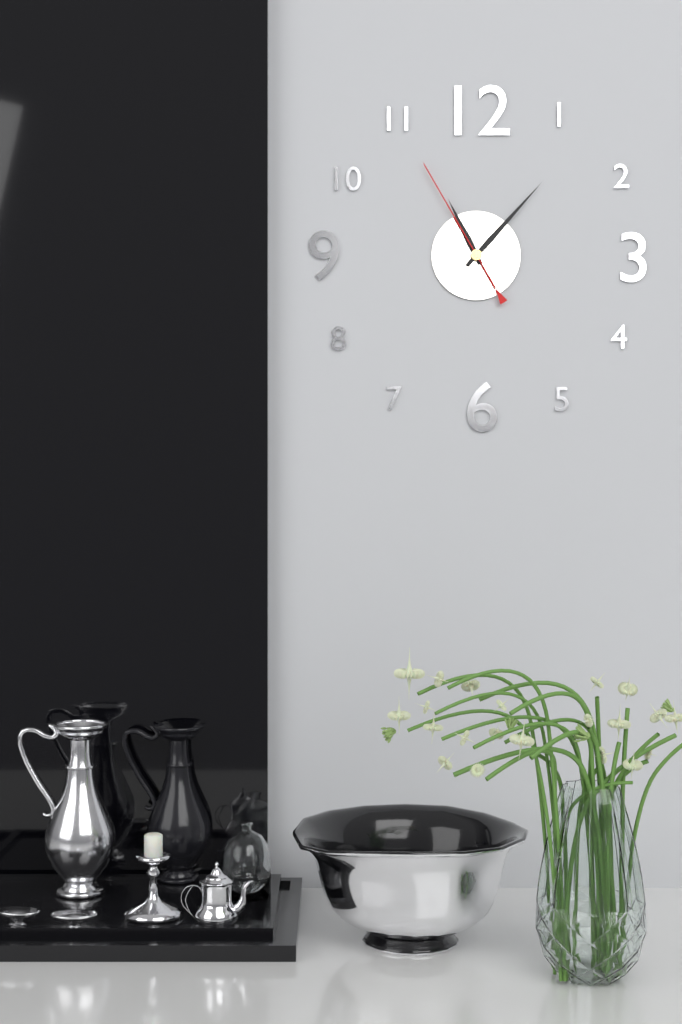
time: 11:07:55
